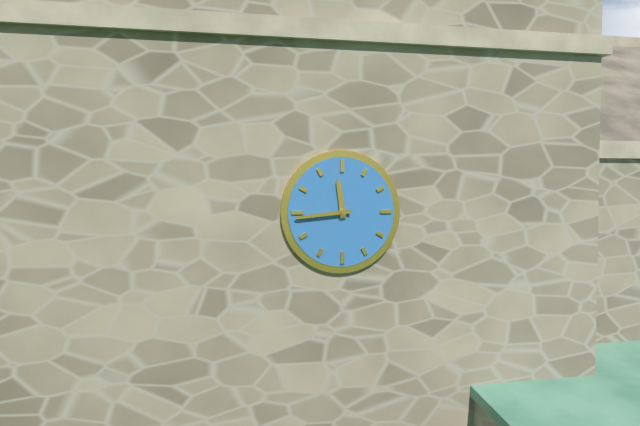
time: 11:44
